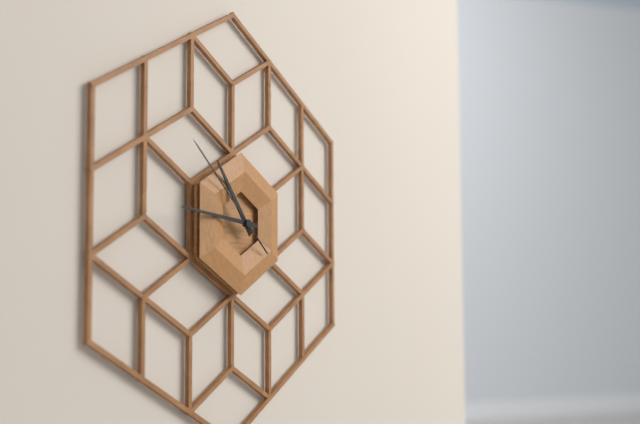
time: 10:46:52
